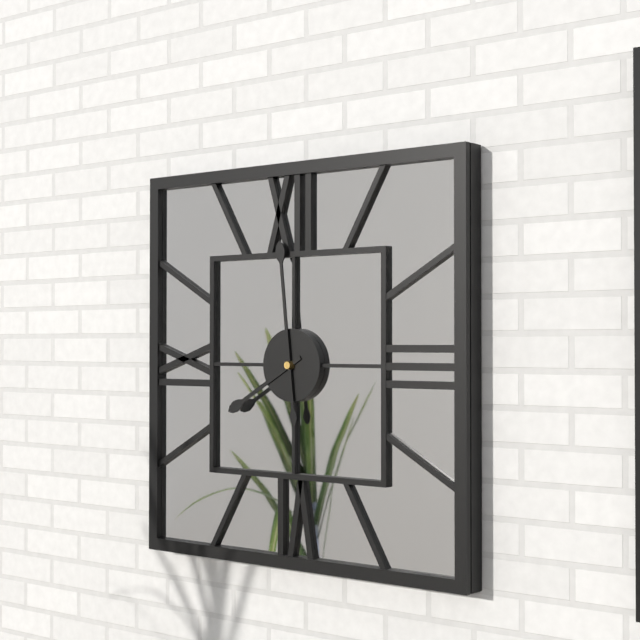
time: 7:59
